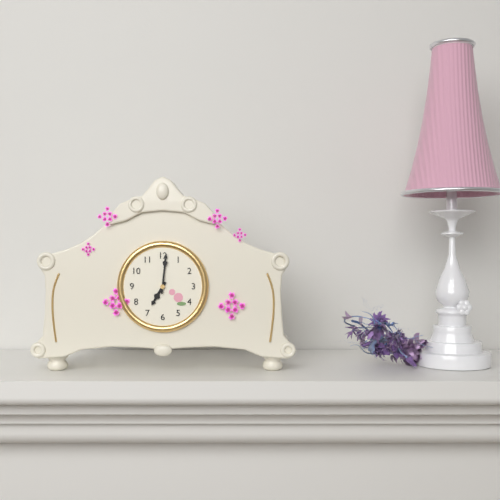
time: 7:01
